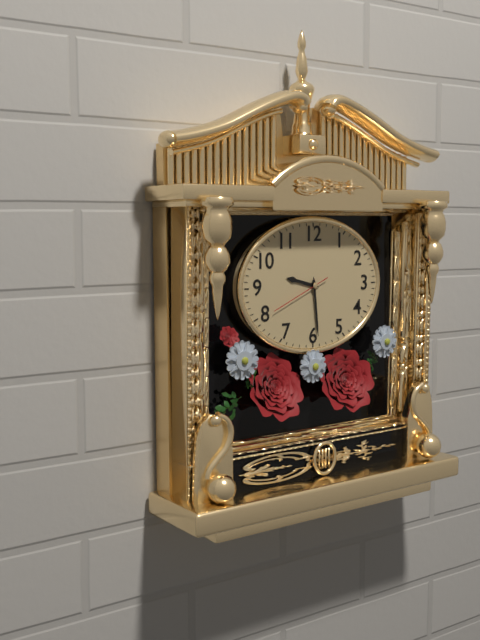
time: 9:29:41
